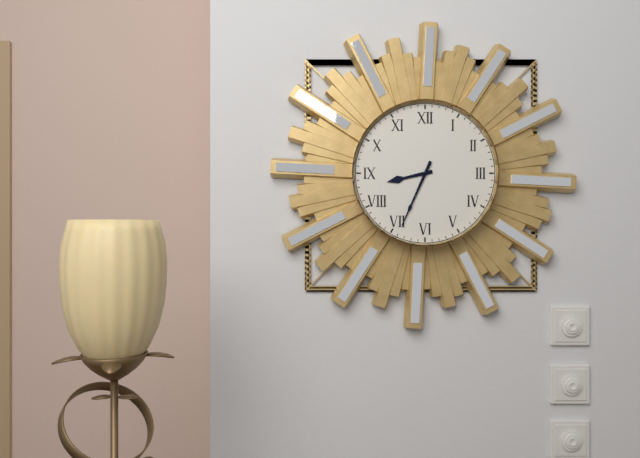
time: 8:34
